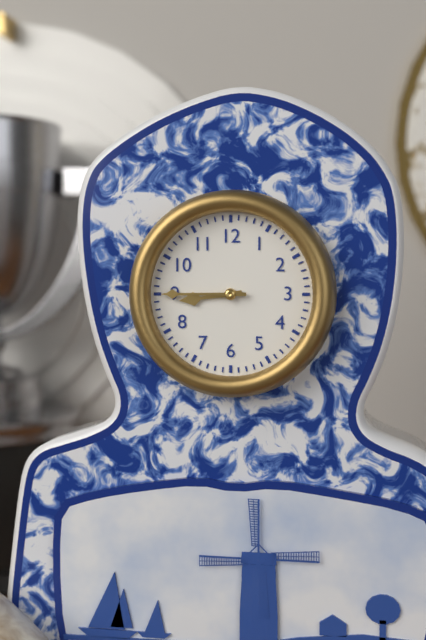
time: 8:45
